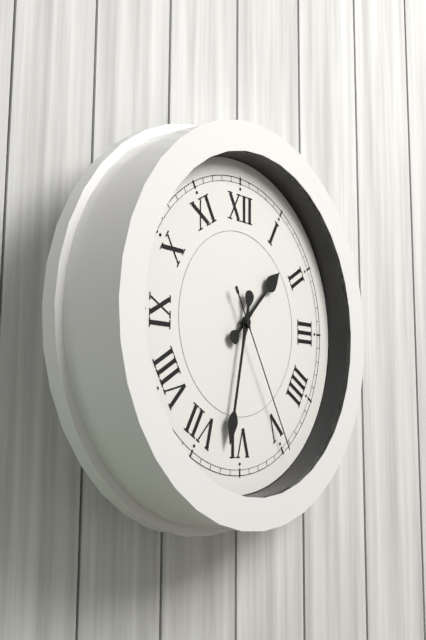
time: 1:32:25
